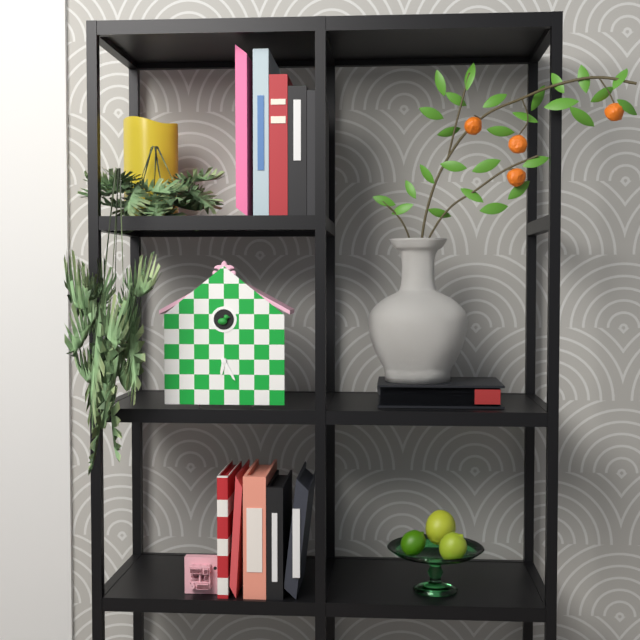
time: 6:25
